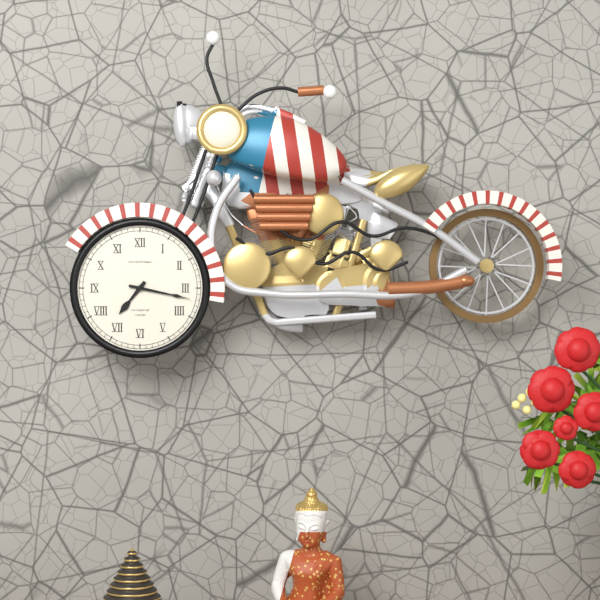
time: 7:17
